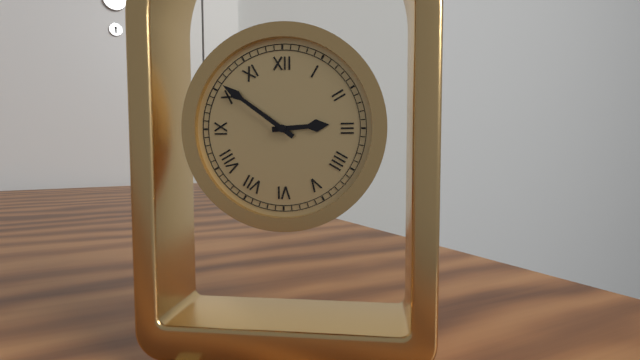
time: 2:51
